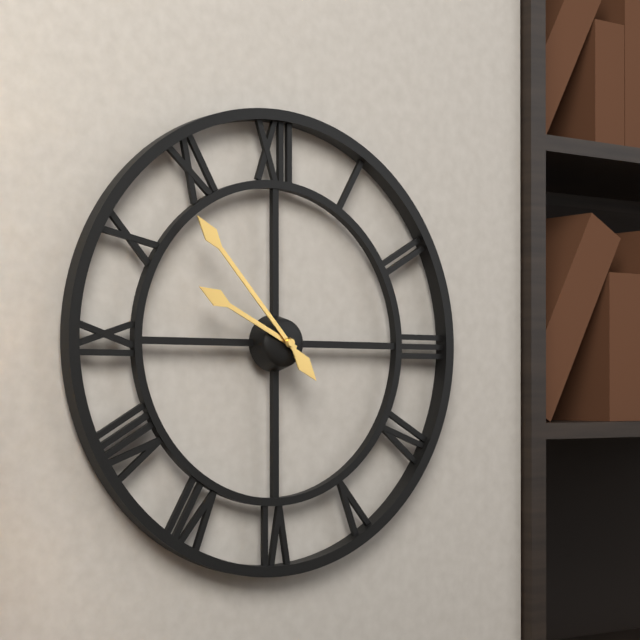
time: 9:53
